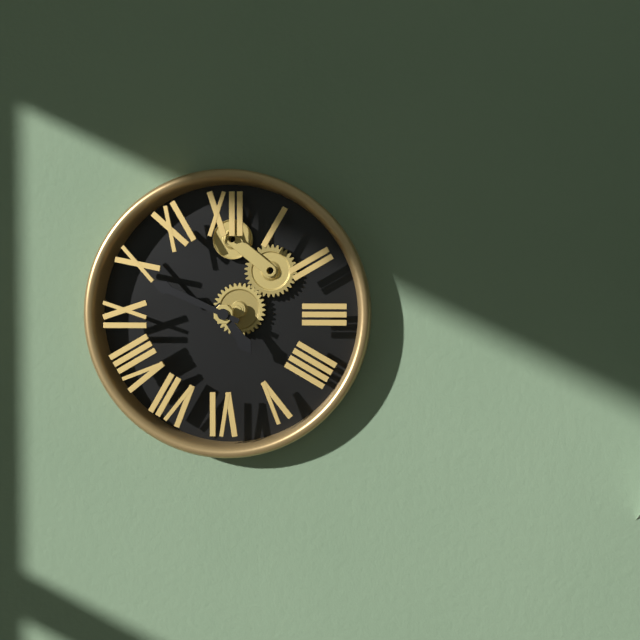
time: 4:49
